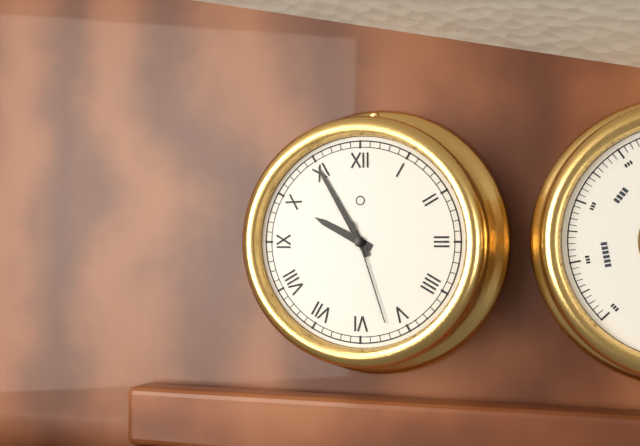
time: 9:55:27
